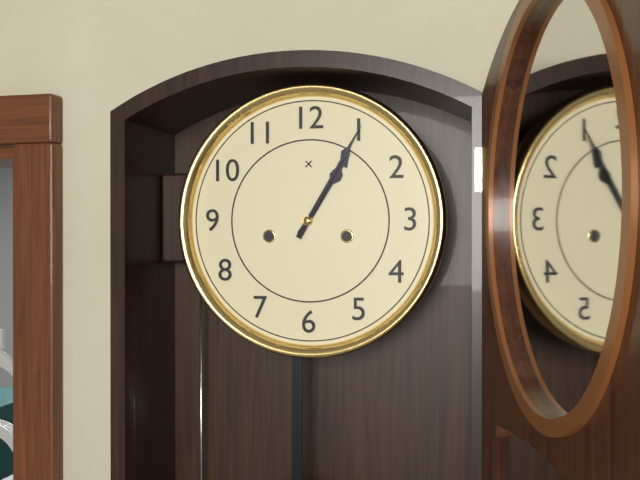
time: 1:05
